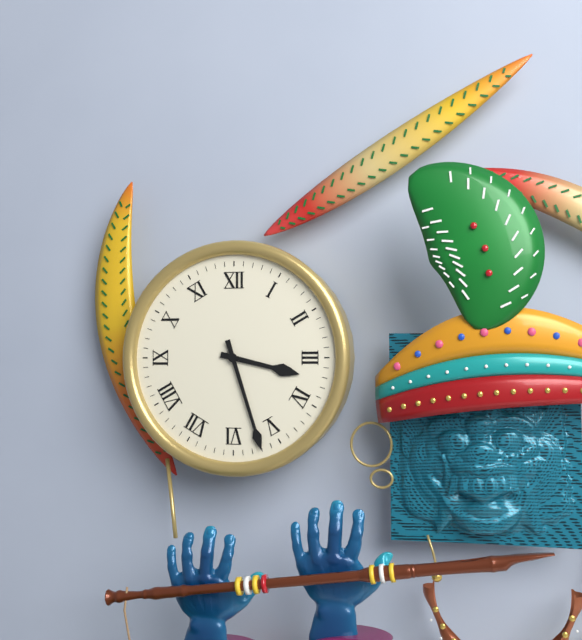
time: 3:27
